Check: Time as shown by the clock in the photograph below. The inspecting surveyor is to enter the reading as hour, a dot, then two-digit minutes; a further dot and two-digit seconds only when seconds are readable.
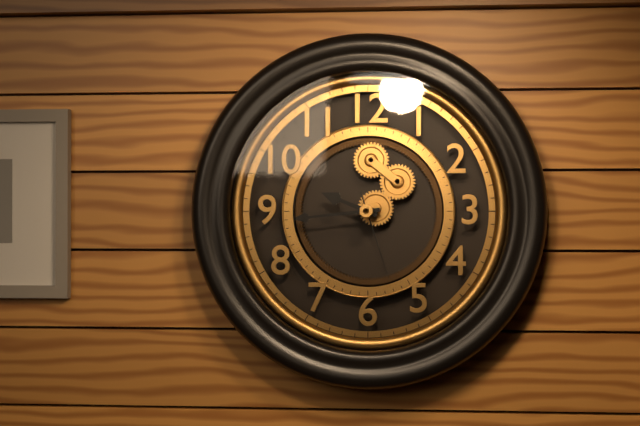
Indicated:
9.44.27
